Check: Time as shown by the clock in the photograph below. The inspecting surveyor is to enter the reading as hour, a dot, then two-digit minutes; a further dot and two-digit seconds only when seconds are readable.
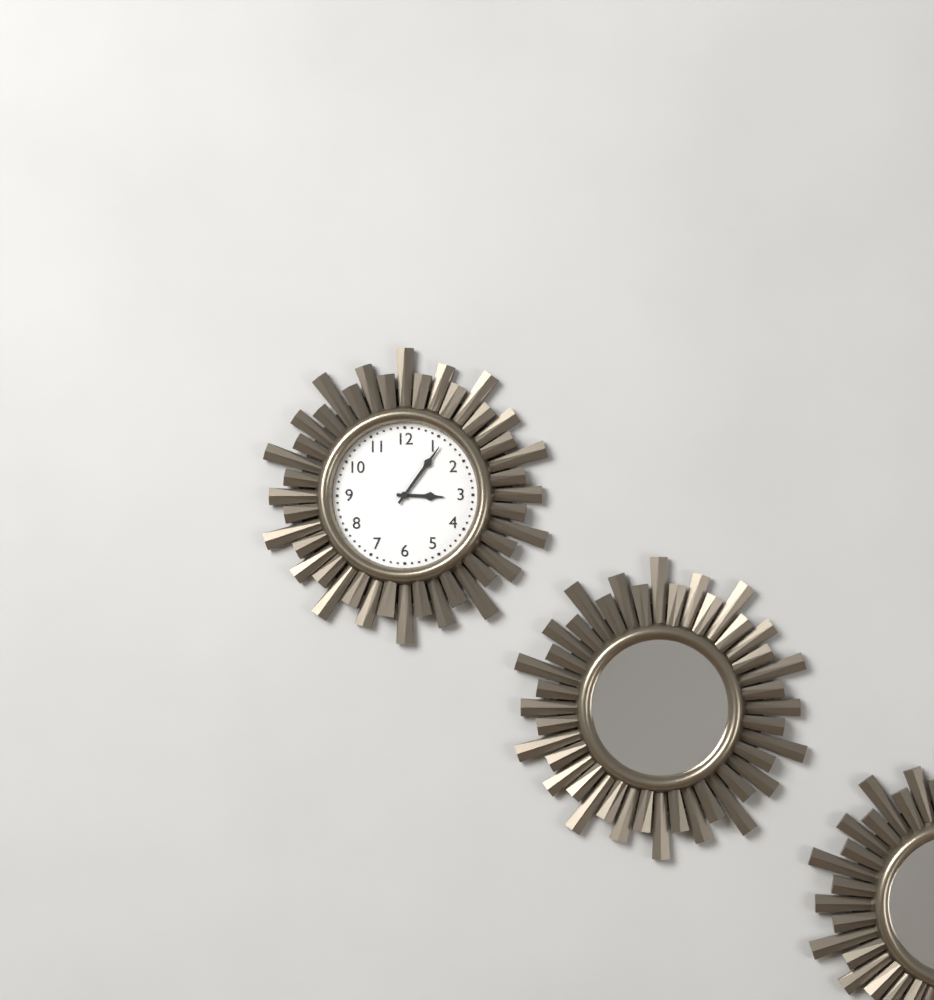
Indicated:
3.06
